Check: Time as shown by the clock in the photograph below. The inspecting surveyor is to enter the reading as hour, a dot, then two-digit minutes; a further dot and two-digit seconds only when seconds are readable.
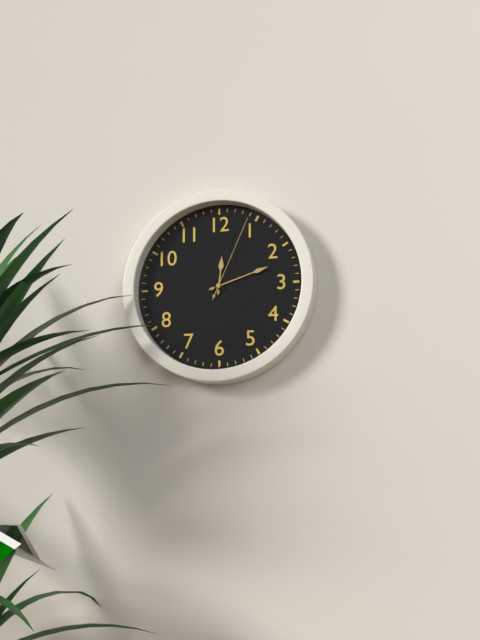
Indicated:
12.12.04
